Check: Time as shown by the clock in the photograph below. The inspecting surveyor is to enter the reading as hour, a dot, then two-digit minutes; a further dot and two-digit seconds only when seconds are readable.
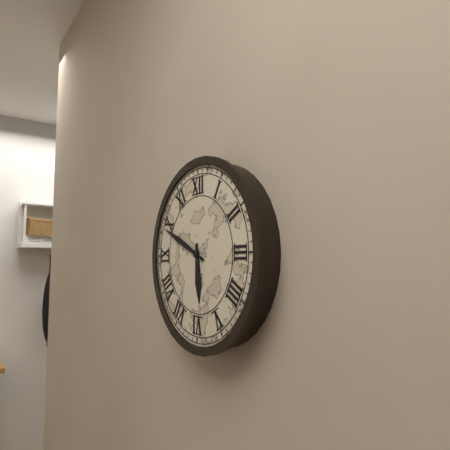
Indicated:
5.49
